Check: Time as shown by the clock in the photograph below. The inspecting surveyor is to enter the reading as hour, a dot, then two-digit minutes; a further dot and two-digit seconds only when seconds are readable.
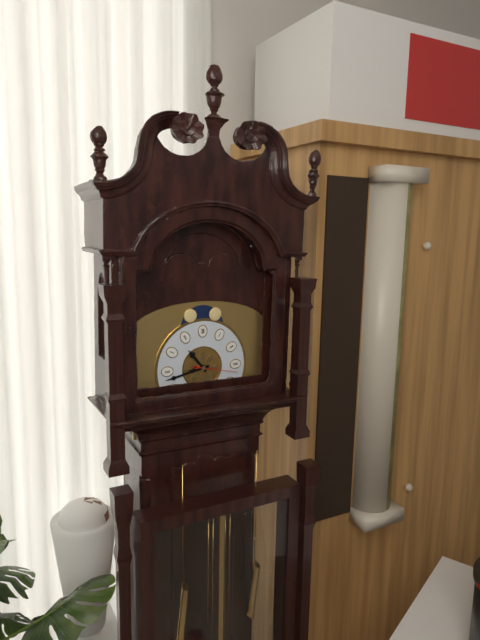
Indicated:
10.43
